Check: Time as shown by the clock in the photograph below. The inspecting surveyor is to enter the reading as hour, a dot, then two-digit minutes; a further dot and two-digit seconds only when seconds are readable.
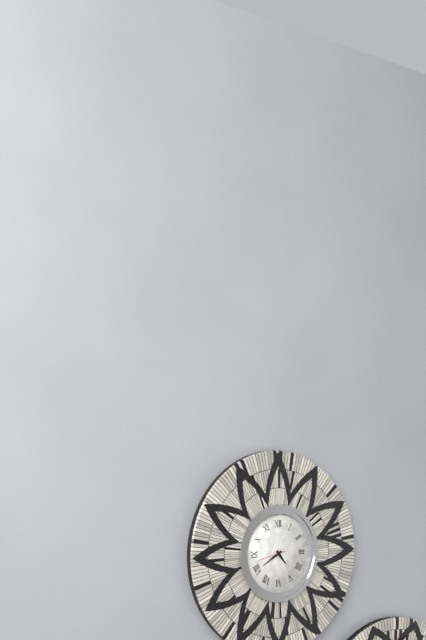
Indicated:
4.40
